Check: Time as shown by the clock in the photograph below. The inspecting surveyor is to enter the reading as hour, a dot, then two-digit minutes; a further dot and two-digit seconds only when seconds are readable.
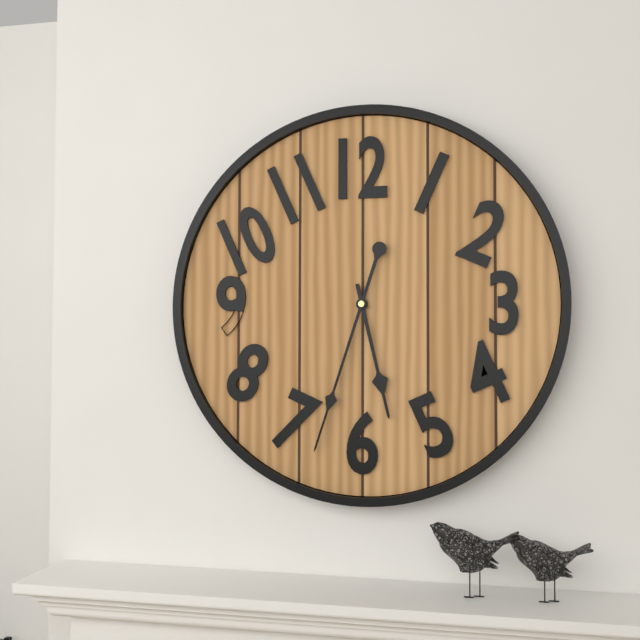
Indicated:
5.33
